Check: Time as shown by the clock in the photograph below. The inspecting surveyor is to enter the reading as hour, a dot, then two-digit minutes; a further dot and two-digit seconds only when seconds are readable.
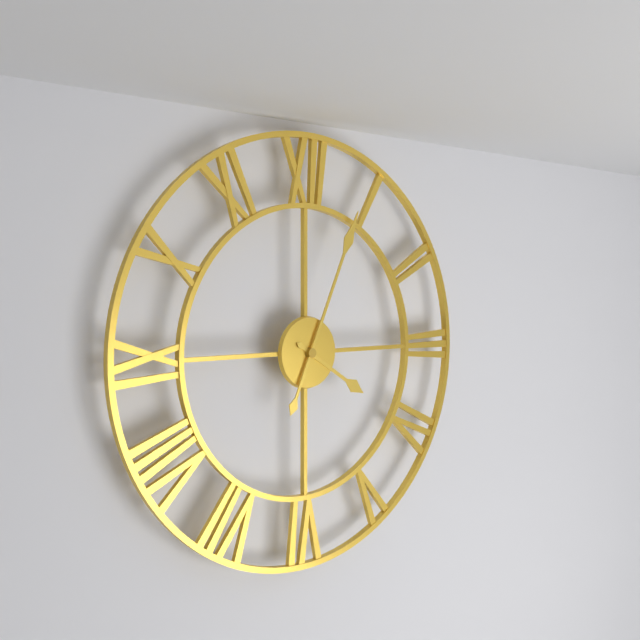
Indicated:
4.04
